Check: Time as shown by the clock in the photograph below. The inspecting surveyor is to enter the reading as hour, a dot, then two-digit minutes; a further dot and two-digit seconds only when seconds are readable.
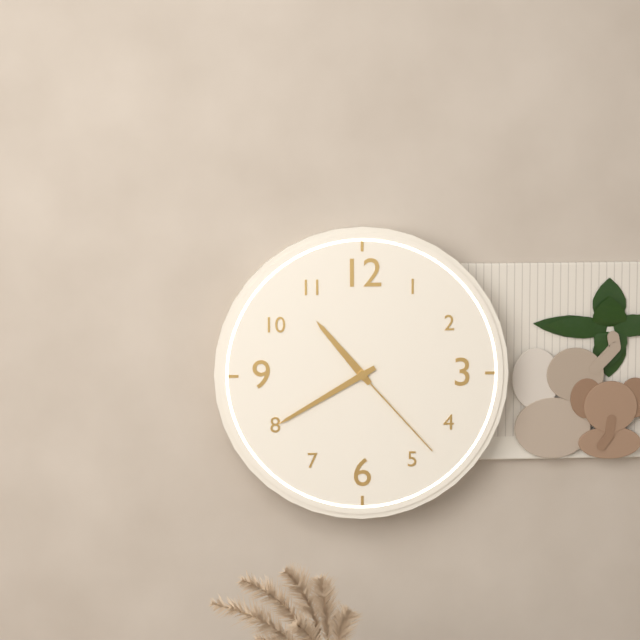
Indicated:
10.40.23
